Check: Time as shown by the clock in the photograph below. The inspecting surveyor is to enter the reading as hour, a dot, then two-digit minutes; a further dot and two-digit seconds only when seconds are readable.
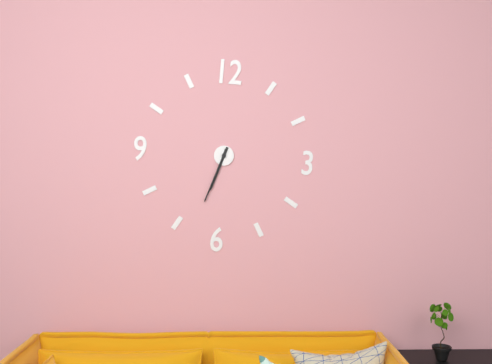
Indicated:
6.33
